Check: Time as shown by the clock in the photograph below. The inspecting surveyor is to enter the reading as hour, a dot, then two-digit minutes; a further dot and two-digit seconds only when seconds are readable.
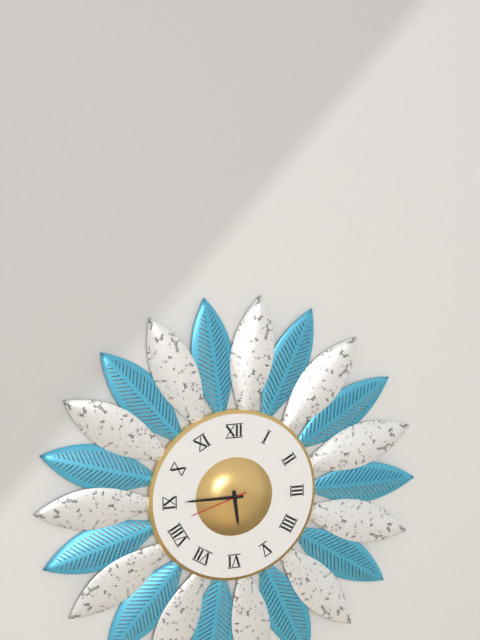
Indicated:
5.45.42
